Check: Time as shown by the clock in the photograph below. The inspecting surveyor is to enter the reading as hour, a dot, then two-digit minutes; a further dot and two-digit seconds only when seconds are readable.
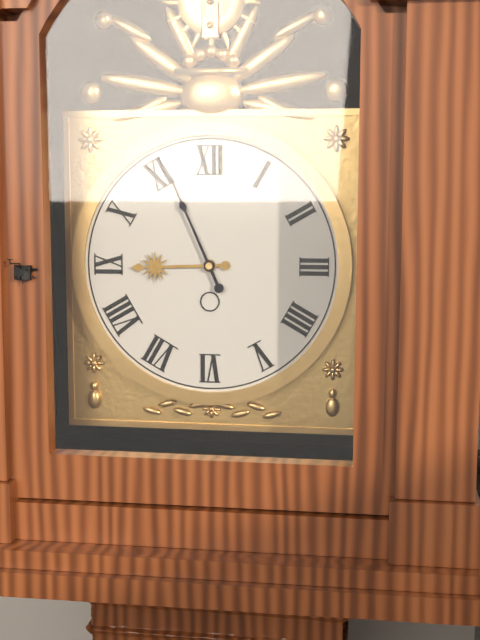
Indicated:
8.56
